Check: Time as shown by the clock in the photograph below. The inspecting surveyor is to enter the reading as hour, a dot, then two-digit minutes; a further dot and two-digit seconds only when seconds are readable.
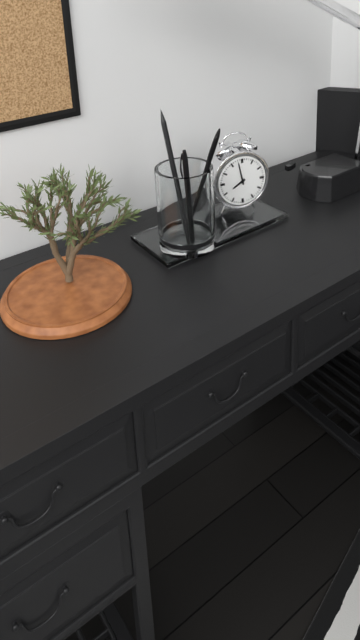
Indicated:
7.58
